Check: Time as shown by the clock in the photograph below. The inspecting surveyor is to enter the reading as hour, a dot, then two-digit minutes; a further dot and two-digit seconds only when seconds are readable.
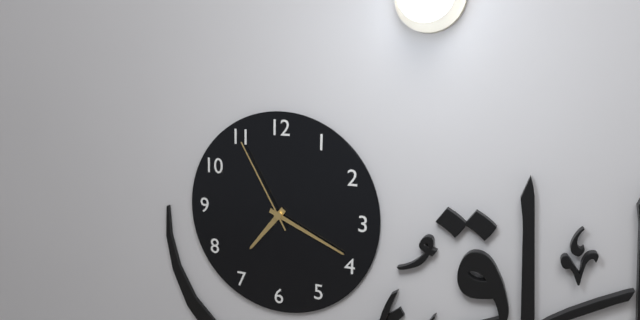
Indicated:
7.19.55
